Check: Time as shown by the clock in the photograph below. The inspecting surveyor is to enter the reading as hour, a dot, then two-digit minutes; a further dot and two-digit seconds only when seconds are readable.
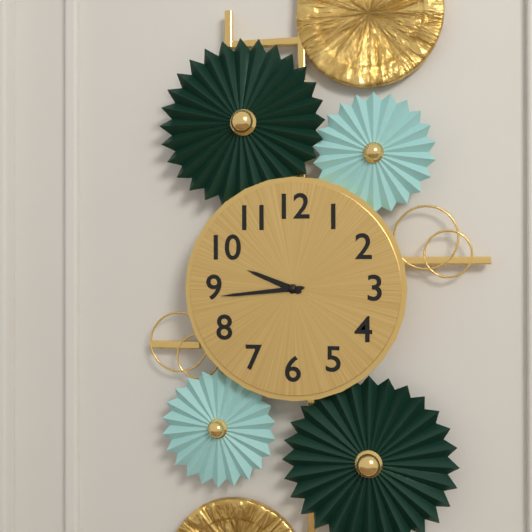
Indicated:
9.44
